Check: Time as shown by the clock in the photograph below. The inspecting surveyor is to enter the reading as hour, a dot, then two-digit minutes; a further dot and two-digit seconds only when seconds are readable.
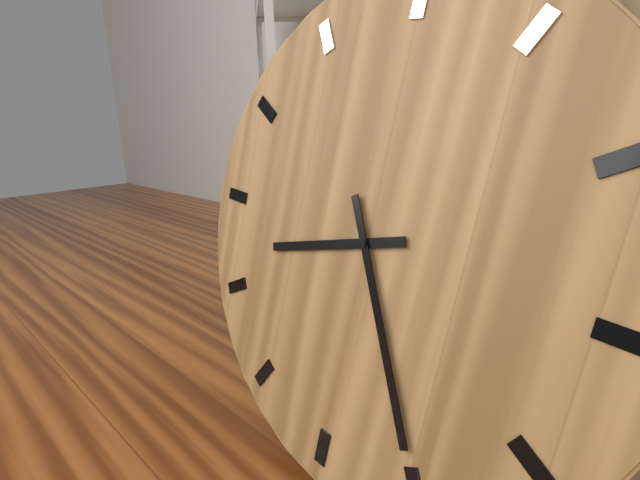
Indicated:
8.25
